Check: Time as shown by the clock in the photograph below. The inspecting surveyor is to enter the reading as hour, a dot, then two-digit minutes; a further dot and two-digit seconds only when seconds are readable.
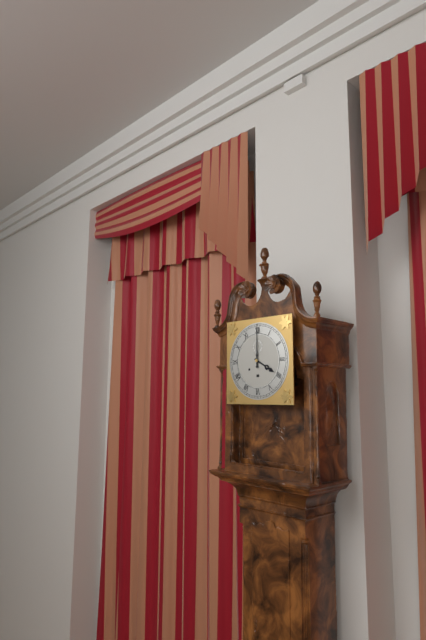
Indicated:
4.00
